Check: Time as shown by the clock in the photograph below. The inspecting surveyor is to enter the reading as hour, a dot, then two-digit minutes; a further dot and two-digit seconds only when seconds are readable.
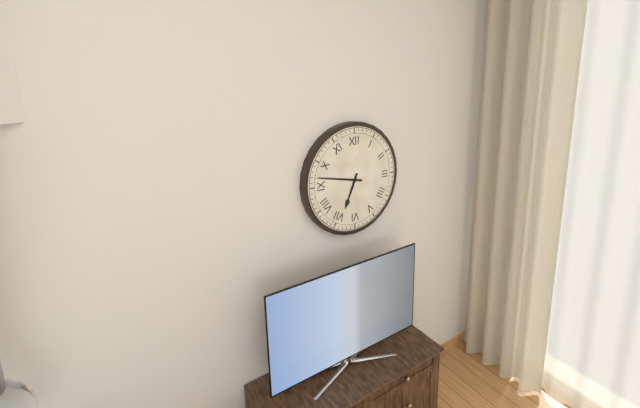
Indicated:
6.47
